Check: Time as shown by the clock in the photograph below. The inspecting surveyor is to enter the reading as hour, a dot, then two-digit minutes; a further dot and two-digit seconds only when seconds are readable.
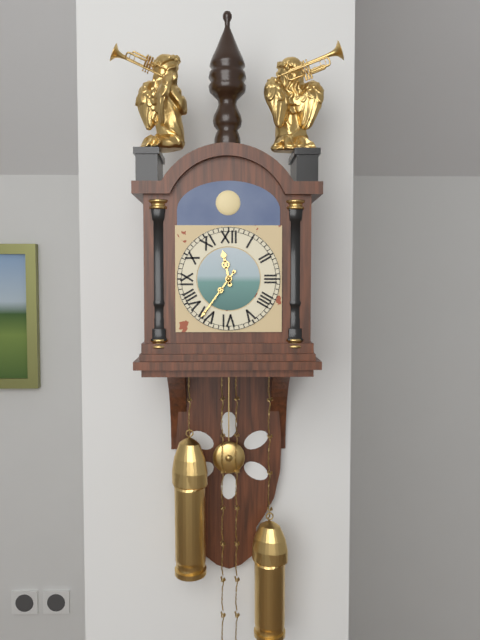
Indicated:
11.36
